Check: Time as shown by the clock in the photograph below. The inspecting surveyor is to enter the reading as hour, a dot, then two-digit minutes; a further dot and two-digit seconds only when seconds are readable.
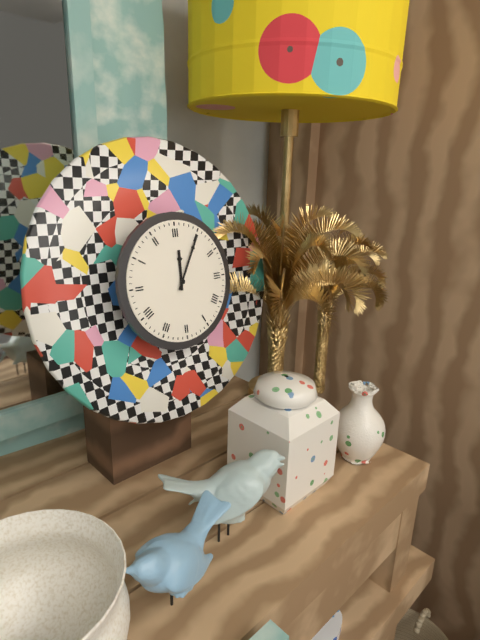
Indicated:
12.05
